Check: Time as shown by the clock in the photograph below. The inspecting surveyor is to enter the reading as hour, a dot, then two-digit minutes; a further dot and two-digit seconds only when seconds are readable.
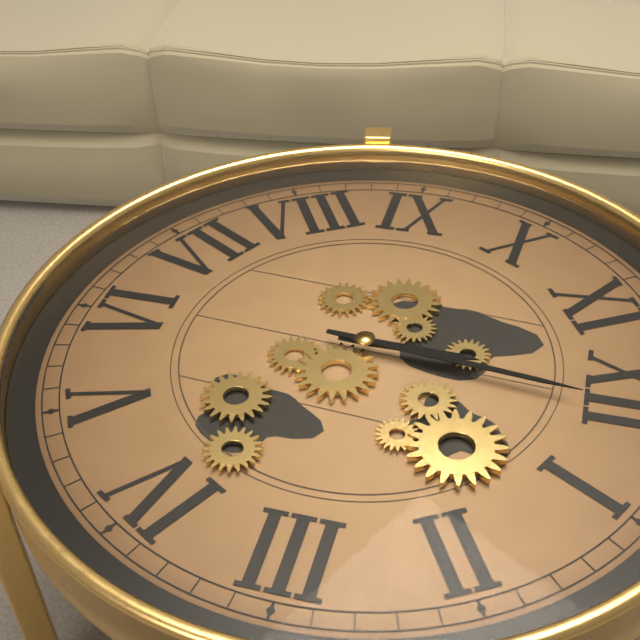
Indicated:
12.01
